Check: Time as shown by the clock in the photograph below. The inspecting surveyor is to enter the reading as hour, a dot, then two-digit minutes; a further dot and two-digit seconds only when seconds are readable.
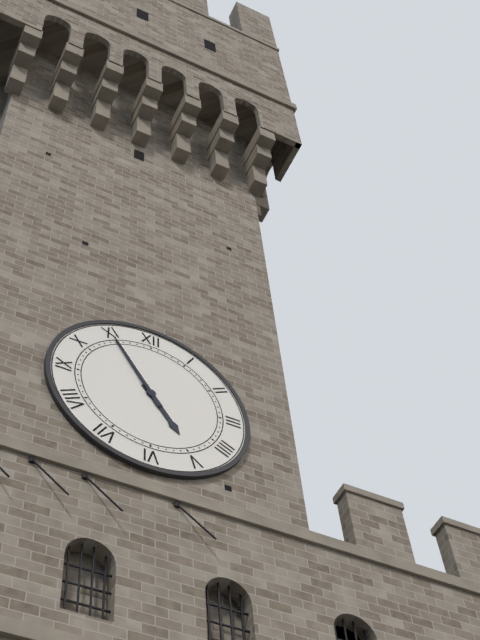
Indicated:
4.55
